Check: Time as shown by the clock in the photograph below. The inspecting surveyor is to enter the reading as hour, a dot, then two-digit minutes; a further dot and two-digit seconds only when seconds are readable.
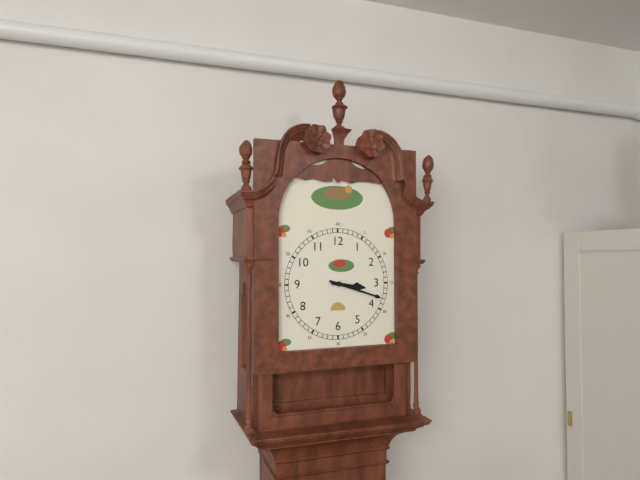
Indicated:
3.18
